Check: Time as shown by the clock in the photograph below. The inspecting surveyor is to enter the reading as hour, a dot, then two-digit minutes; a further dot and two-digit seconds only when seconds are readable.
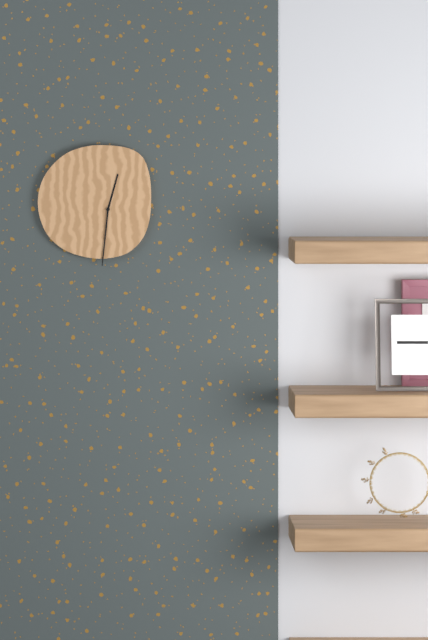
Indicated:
12.31
